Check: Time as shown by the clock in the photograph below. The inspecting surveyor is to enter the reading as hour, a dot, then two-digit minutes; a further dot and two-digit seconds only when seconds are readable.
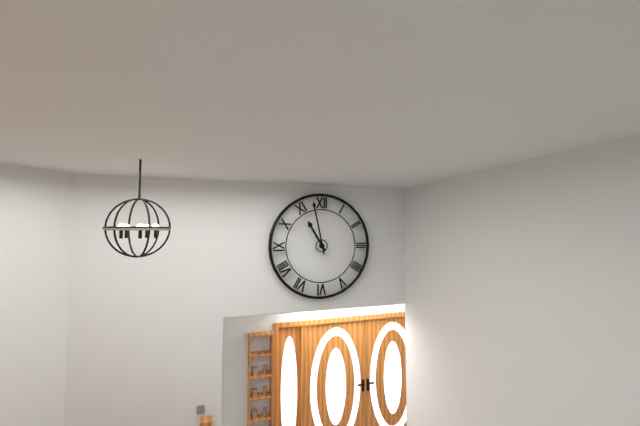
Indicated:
10.58
